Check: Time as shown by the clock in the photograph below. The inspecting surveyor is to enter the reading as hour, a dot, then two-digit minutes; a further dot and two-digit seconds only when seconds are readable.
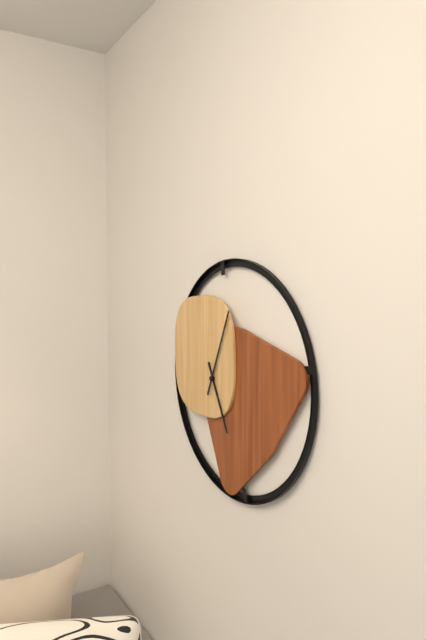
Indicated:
5.04
